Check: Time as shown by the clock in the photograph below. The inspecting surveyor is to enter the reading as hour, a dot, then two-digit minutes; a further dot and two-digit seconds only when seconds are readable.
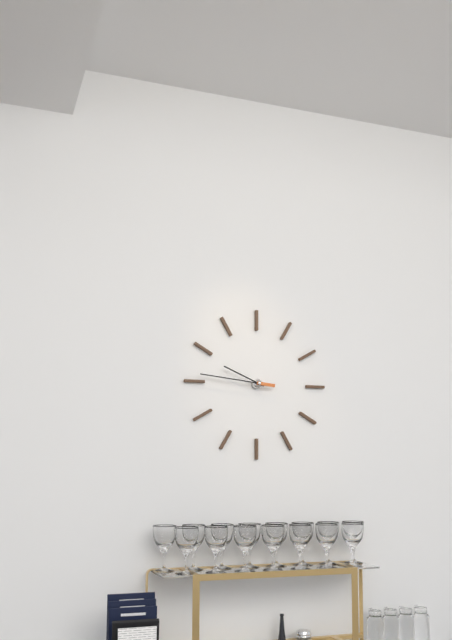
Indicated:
9.46
